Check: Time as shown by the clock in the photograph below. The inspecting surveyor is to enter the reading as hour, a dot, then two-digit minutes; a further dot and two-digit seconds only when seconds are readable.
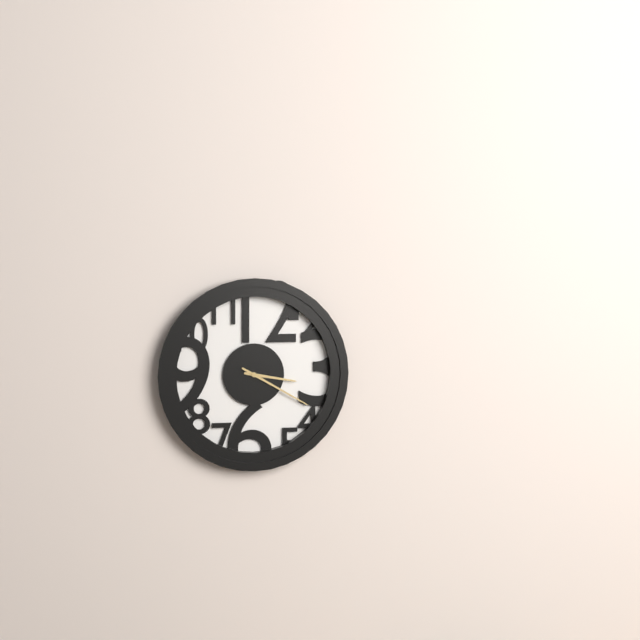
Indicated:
3.20
